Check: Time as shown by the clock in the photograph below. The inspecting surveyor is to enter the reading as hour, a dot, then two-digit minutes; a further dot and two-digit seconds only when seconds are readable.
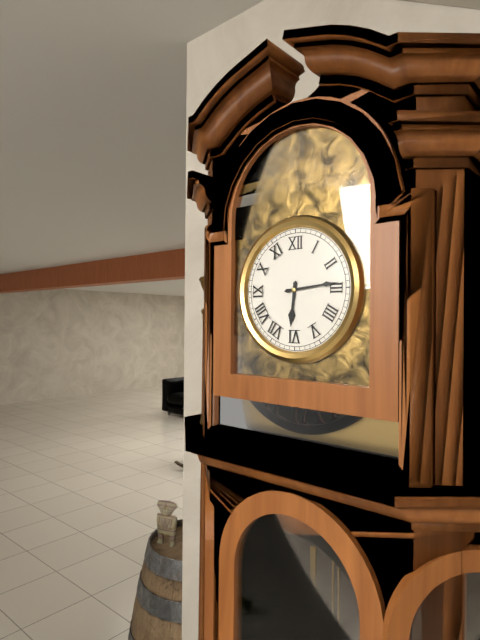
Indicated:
6.14
